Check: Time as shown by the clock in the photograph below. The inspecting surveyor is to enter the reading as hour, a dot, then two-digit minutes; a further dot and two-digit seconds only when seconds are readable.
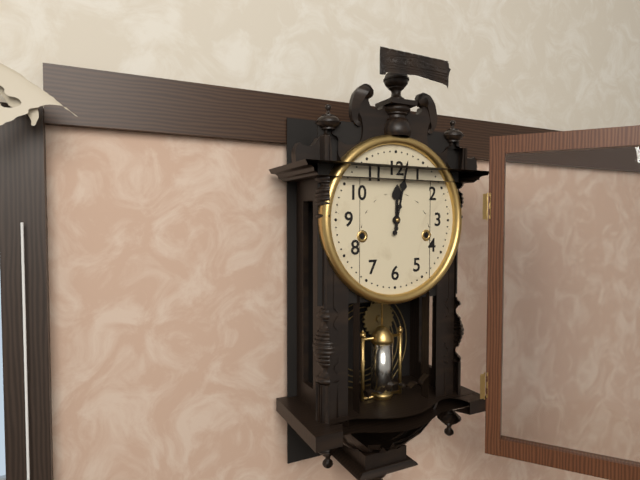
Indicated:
12.02
